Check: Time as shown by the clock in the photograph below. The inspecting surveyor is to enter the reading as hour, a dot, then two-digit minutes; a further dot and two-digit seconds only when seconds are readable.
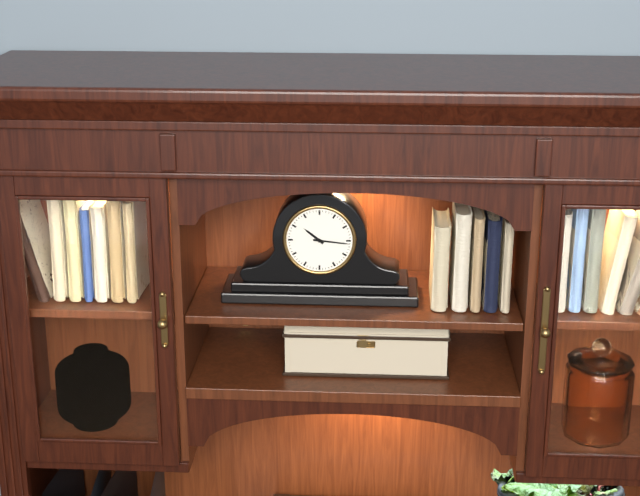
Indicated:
10.16
